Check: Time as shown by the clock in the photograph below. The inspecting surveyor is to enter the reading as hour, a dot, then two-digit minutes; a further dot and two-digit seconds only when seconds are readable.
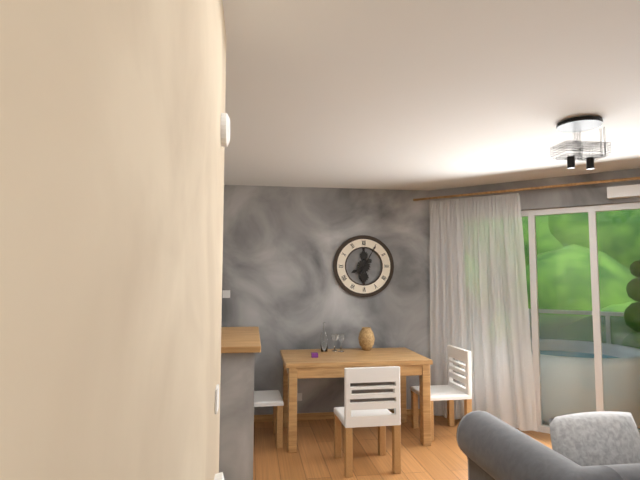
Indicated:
8.05
